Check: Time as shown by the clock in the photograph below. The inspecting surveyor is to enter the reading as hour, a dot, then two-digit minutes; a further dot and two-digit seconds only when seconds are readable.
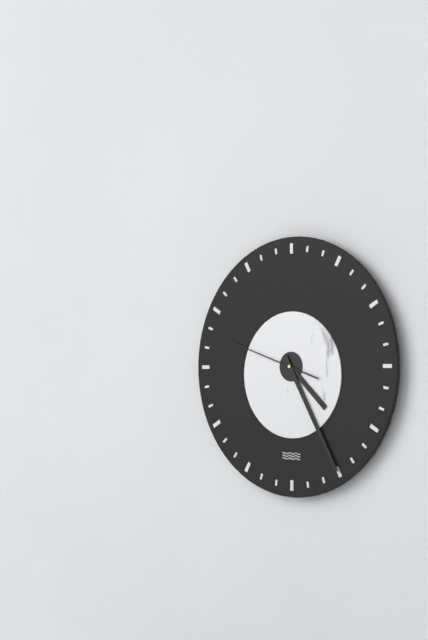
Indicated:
4.25.48
